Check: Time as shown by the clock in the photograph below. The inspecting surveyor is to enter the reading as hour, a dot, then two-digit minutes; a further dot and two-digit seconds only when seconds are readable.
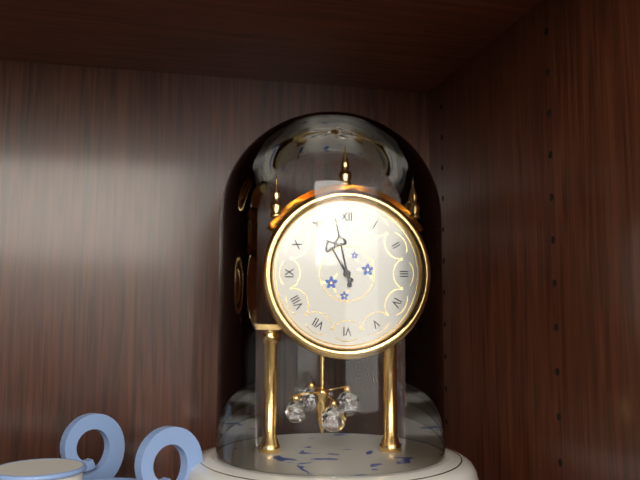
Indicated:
10.58
